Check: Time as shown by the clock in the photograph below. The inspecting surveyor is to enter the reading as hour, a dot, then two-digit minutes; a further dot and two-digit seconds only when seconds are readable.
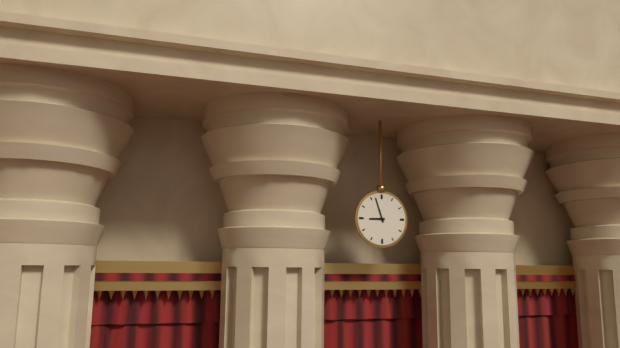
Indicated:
8.57
